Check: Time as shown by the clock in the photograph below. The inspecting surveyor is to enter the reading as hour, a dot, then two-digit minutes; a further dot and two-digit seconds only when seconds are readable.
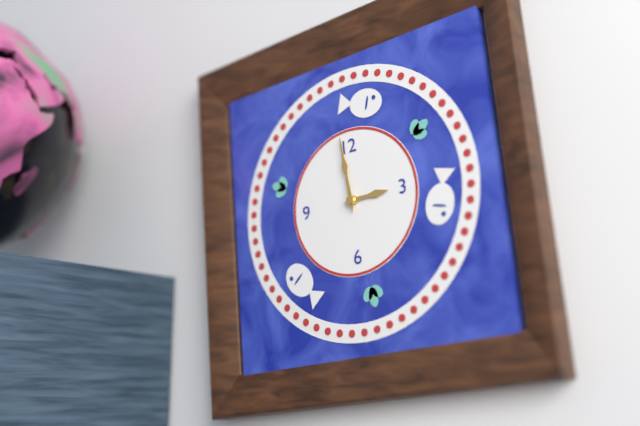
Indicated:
2.59
